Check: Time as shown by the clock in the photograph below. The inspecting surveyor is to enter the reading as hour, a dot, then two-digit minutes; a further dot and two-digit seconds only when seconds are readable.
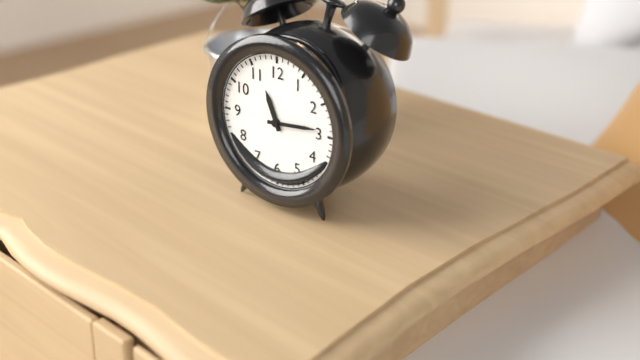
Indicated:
11.14
